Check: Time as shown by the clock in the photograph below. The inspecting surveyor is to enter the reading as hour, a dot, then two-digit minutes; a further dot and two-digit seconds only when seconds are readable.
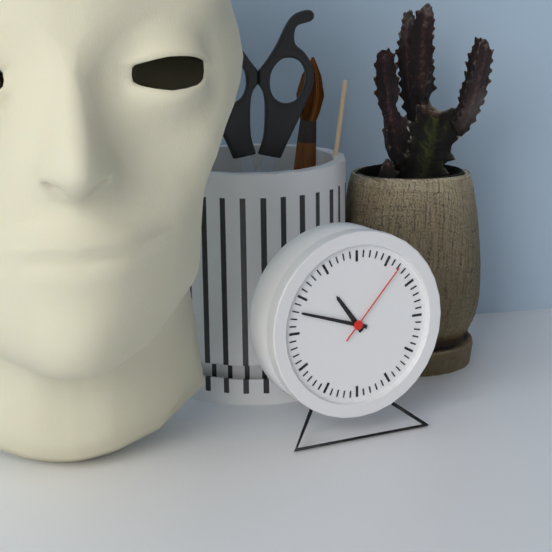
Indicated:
10.48.07
